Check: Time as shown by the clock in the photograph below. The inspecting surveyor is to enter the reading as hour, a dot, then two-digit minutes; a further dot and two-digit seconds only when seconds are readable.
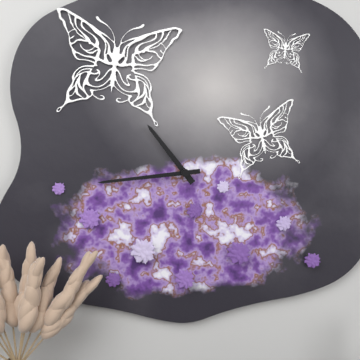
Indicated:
10.44
